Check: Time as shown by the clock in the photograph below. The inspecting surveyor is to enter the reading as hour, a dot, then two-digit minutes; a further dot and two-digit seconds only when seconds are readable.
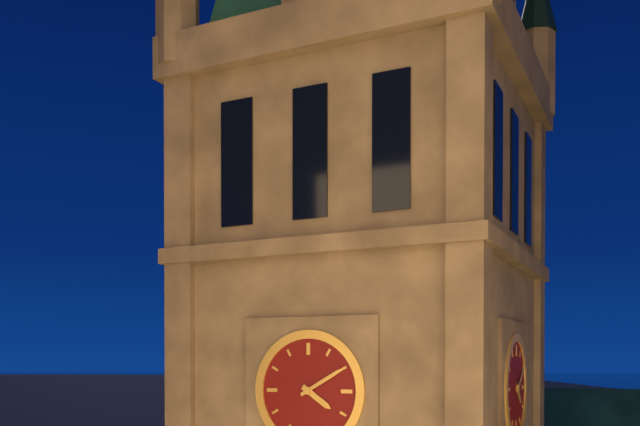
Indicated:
4.10
